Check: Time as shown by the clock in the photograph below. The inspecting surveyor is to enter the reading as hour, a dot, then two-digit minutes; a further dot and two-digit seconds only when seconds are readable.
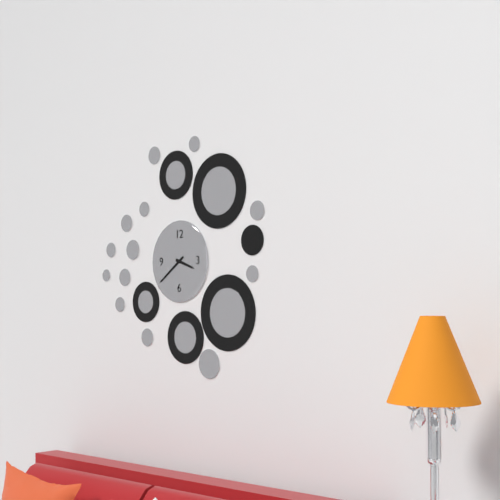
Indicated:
3.39
